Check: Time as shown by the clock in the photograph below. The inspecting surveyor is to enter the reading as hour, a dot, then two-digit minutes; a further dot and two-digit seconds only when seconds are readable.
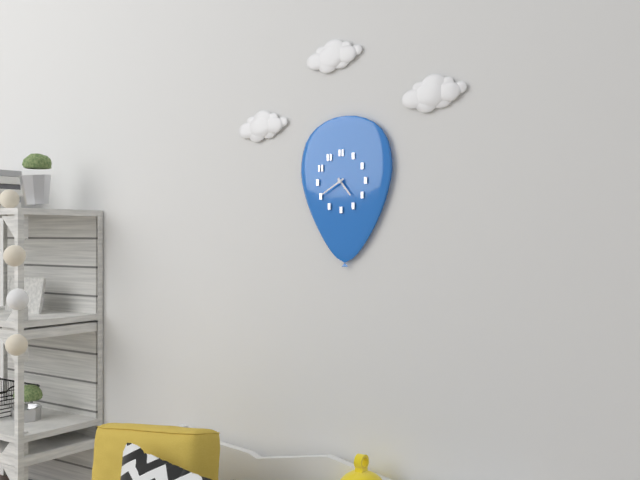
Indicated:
4.40
